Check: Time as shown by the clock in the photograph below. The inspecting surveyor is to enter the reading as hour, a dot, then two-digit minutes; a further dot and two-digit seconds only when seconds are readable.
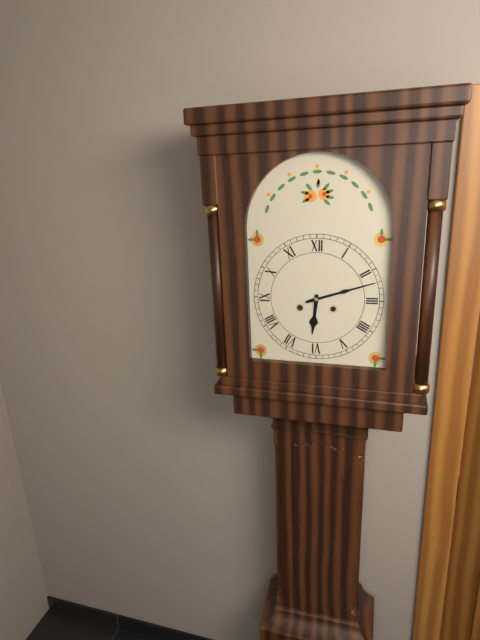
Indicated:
6.12
